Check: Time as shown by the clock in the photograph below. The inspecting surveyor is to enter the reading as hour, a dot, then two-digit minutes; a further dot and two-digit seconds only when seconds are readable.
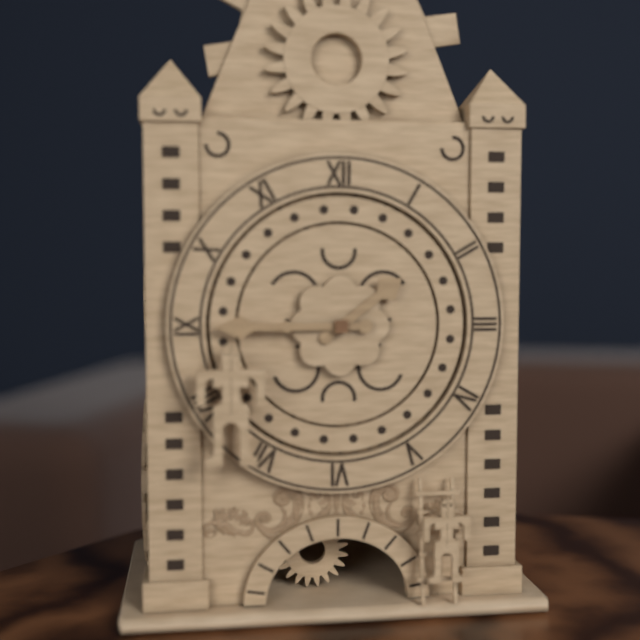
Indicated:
1.45
